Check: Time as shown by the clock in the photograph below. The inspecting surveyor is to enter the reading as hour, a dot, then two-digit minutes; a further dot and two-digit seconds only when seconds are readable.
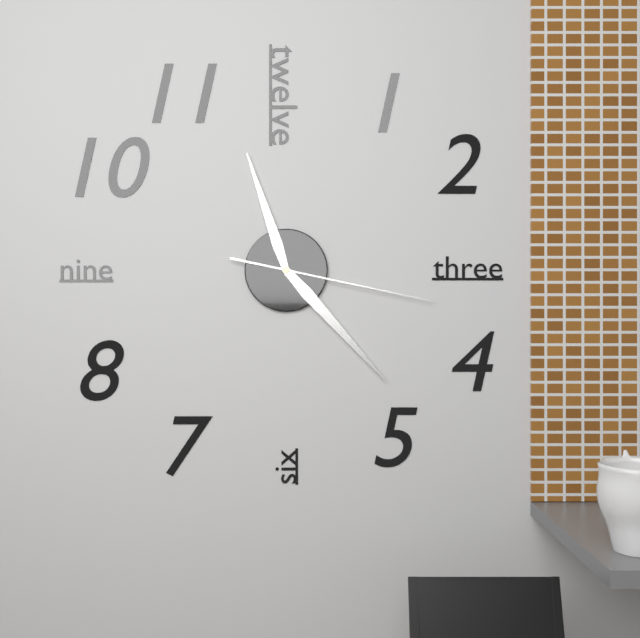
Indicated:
11.23.17
